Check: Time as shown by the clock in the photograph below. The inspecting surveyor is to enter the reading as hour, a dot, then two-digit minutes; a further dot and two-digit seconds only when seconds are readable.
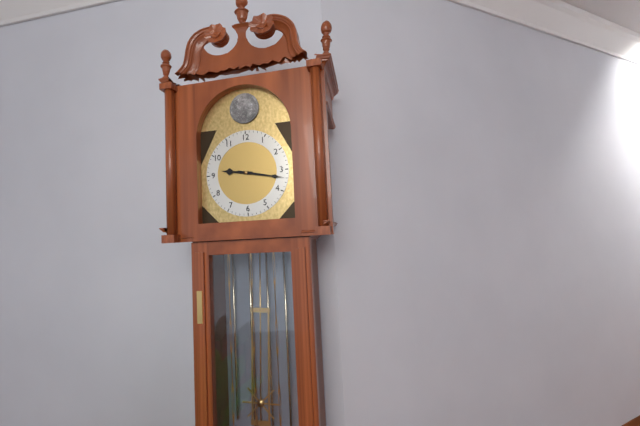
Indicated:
9.17
